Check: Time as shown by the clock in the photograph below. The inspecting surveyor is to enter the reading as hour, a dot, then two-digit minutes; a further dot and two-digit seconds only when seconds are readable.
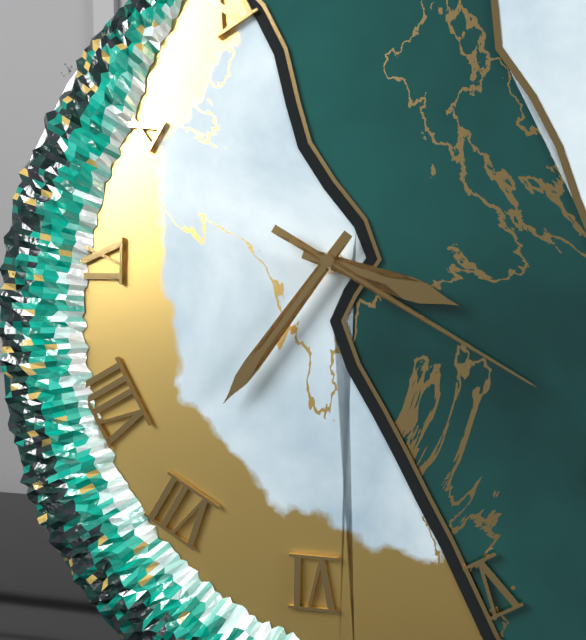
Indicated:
3.36.20
